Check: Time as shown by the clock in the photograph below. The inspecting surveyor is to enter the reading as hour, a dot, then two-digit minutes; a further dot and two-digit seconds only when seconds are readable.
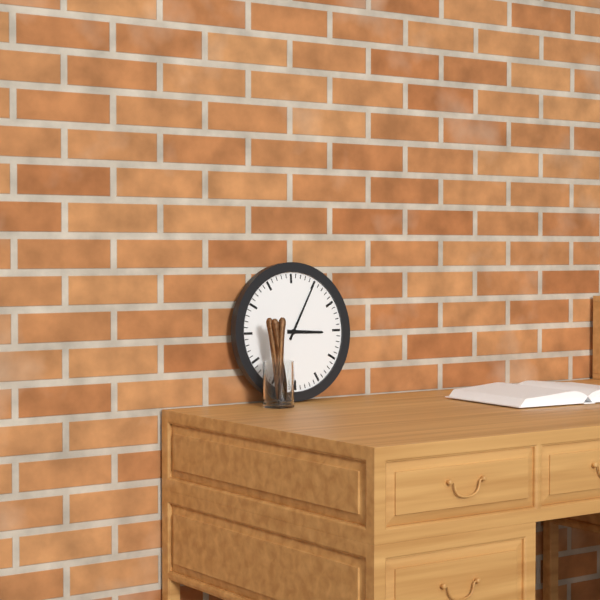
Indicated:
3.05
